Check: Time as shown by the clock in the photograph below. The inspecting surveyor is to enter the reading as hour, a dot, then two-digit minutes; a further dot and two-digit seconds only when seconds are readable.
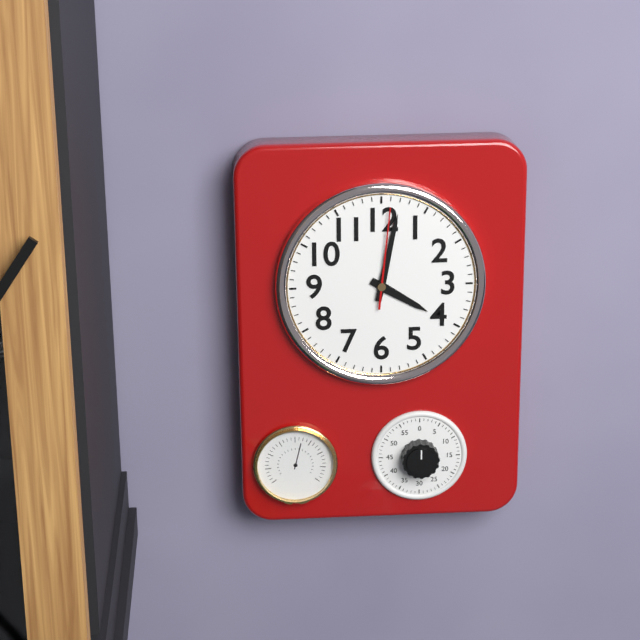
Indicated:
4.02.01
